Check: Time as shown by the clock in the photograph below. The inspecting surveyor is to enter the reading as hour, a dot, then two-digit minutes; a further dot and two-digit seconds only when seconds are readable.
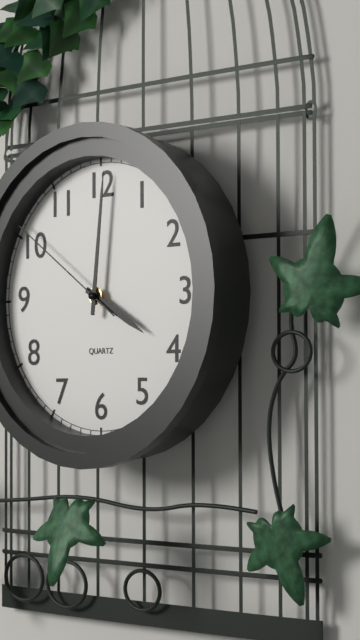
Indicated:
4.01.51
